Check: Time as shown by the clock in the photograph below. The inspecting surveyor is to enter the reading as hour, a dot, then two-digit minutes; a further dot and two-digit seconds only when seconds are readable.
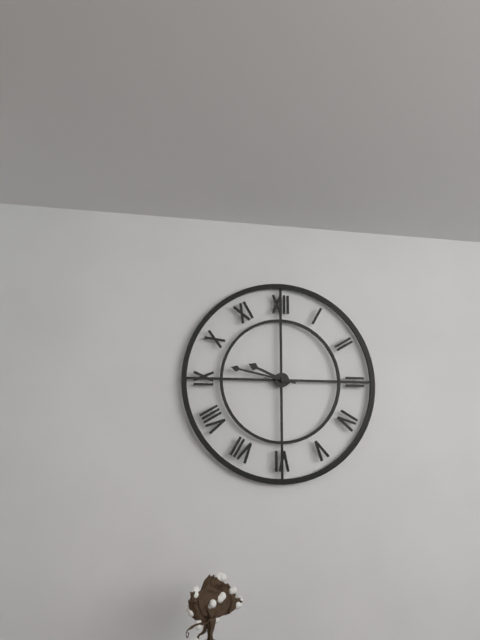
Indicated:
9.47
